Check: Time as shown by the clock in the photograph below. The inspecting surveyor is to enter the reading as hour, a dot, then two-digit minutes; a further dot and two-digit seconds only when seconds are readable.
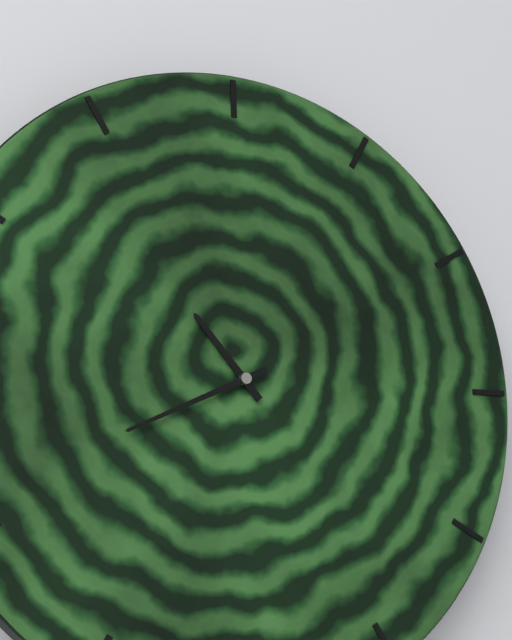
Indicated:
10.41
